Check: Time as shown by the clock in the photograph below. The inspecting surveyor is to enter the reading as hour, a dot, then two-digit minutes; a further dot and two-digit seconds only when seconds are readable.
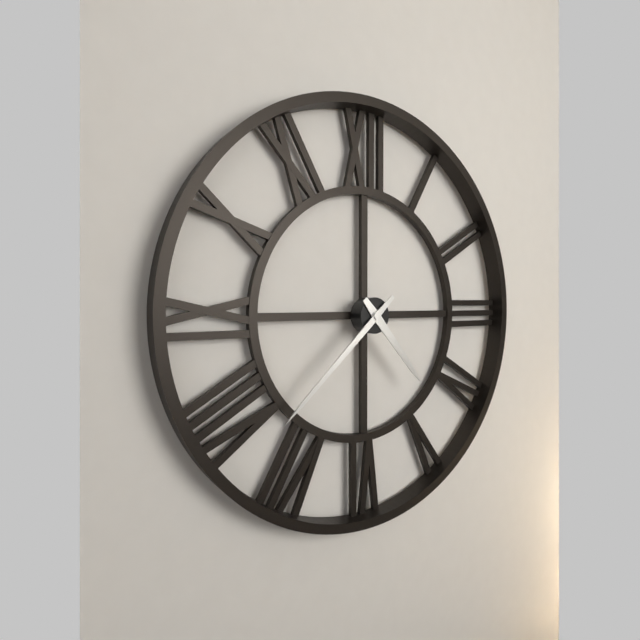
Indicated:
4.38
